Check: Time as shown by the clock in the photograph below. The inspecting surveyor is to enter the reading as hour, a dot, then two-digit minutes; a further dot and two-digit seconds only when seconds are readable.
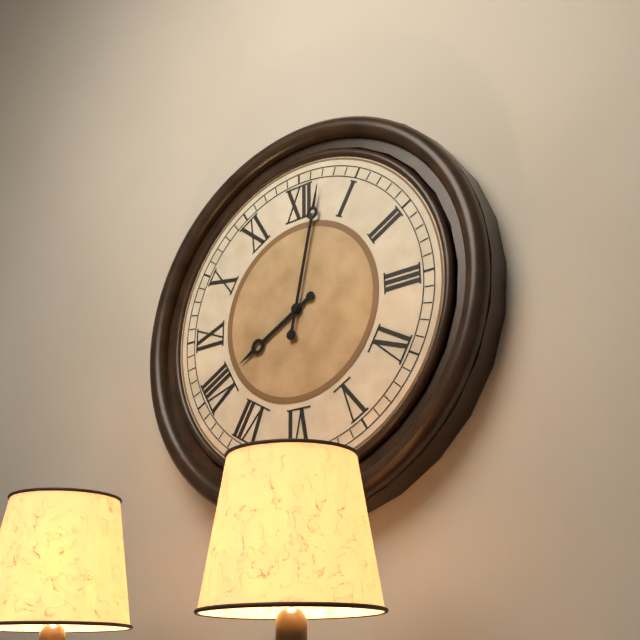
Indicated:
8.02
